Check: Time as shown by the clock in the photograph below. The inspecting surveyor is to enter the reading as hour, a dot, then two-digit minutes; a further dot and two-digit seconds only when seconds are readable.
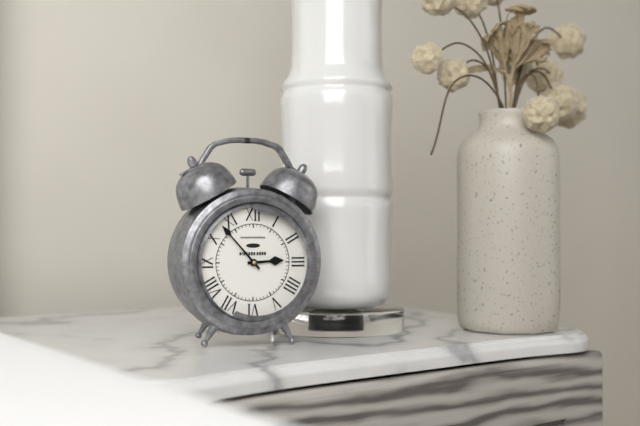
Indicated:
2.53
